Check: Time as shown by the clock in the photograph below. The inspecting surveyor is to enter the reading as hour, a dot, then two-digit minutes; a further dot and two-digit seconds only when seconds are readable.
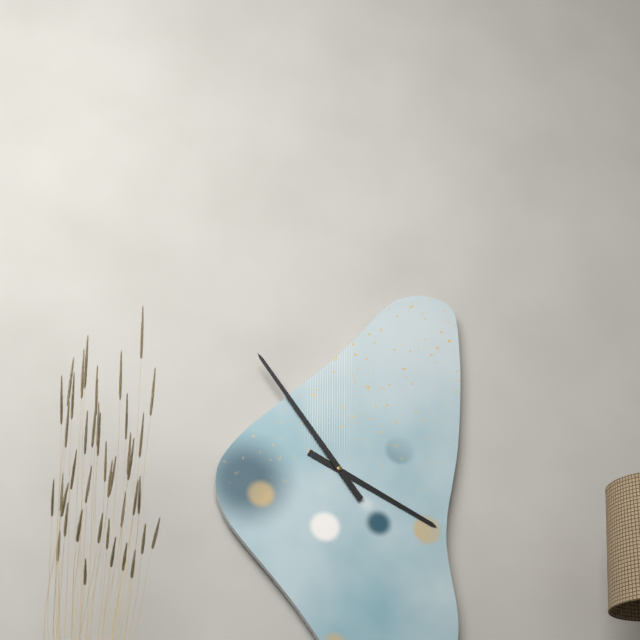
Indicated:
3.54
